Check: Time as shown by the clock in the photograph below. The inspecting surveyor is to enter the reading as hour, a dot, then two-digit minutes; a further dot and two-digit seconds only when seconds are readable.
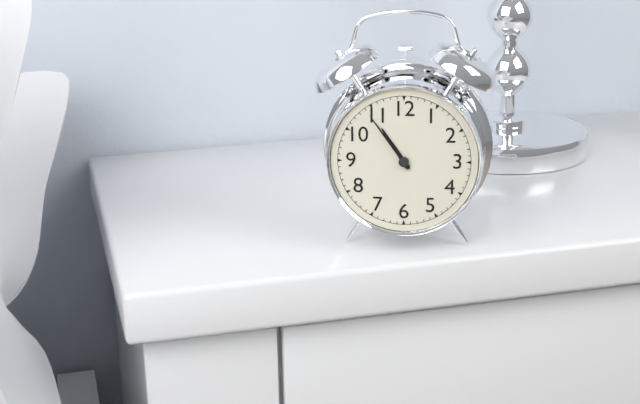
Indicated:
10.54
